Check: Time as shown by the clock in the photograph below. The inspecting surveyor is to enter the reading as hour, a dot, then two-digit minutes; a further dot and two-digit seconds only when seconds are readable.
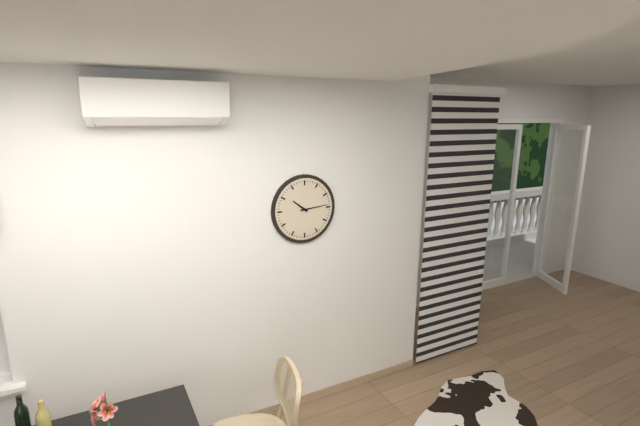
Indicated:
10.14
